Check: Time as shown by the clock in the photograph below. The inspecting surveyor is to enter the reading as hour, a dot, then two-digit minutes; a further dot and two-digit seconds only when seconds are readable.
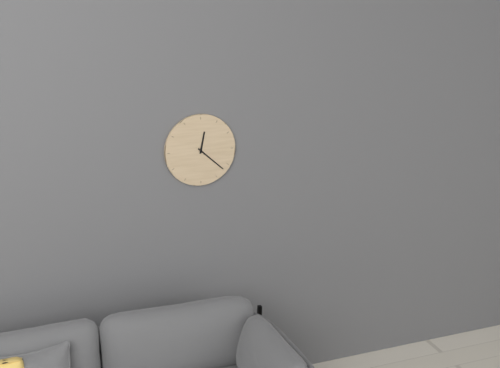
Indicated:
12.22
